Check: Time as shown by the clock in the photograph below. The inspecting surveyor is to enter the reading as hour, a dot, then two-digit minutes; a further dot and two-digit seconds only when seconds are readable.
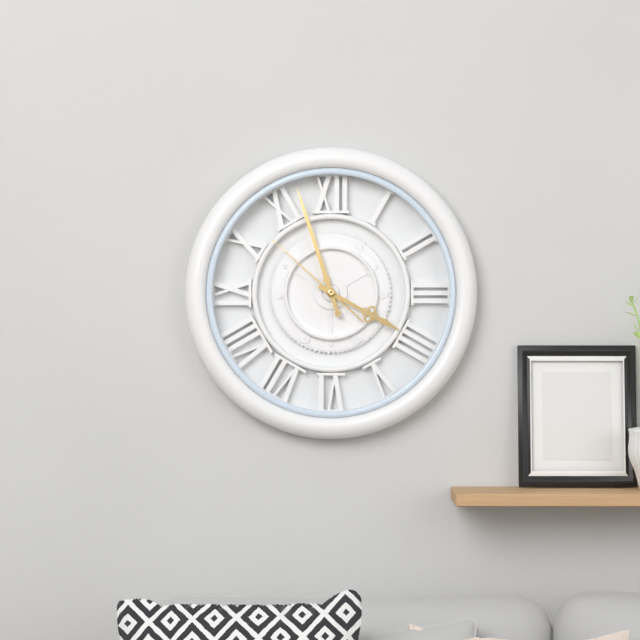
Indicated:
3.57.52
